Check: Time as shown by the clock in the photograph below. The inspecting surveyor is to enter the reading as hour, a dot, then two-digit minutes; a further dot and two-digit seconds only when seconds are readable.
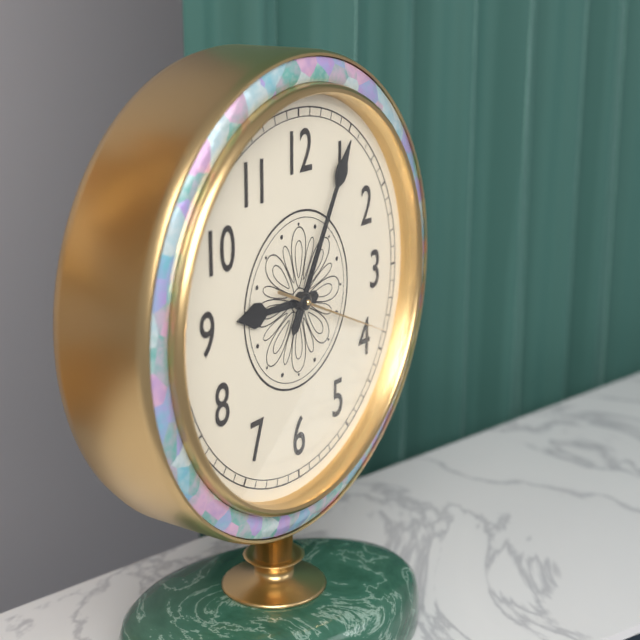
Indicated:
9.05.19
